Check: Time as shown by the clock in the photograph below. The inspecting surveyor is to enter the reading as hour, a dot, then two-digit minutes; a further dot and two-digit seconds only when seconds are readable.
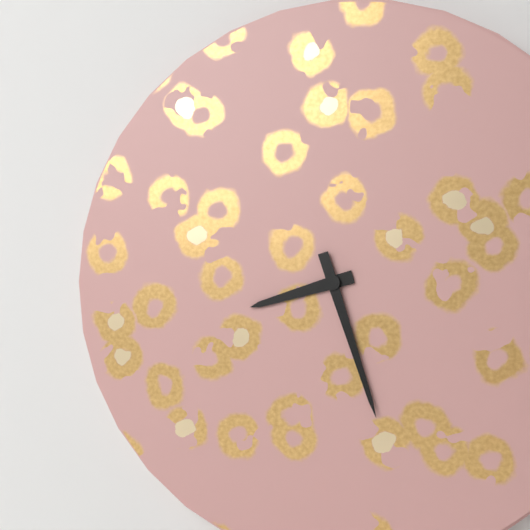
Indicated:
8.27
